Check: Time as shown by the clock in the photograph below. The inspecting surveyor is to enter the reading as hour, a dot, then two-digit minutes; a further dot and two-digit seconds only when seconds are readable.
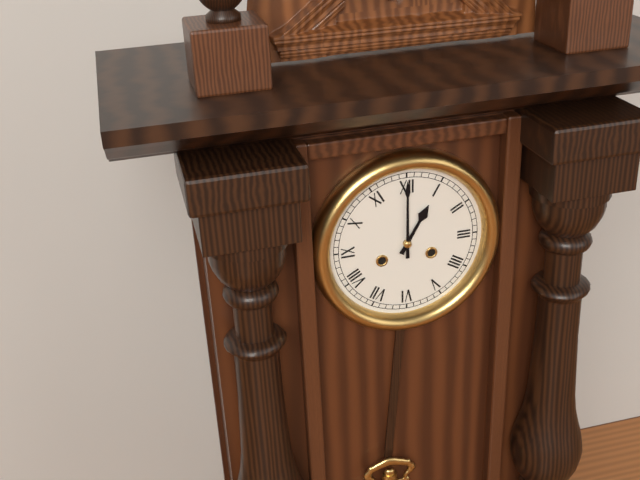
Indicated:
1.00
